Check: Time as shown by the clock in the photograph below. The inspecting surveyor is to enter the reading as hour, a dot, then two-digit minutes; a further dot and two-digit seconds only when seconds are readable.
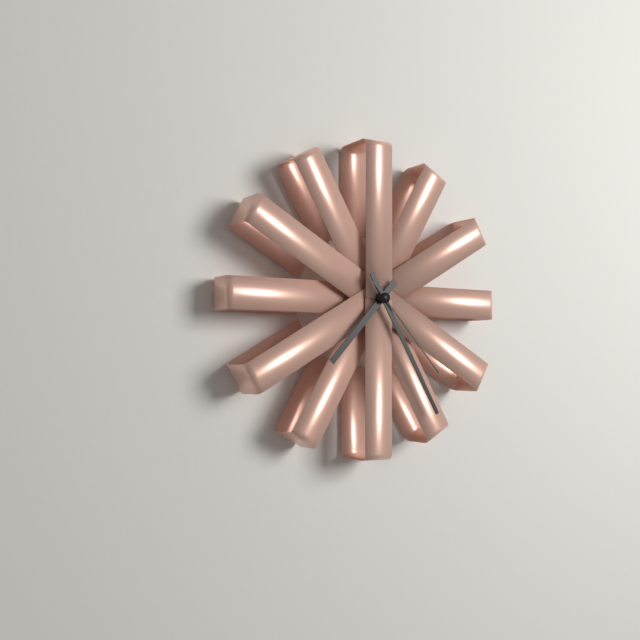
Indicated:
7.25.23
